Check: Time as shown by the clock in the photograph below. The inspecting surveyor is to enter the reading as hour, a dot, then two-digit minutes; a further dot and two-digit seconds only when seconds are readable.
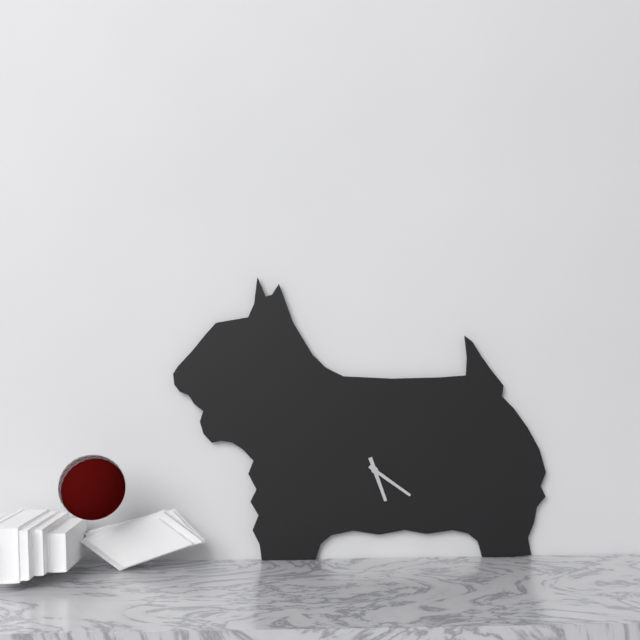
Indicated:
5.21
